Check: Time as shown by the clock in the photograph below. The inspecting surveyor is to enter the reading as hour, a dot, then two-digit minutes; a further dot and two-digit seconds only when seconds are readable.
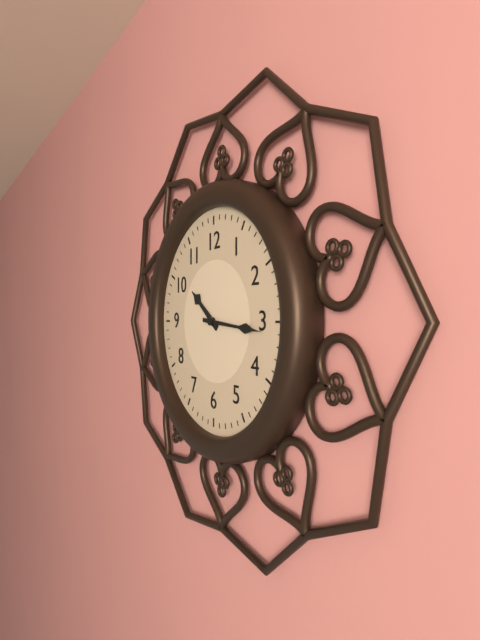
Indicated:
10.16
